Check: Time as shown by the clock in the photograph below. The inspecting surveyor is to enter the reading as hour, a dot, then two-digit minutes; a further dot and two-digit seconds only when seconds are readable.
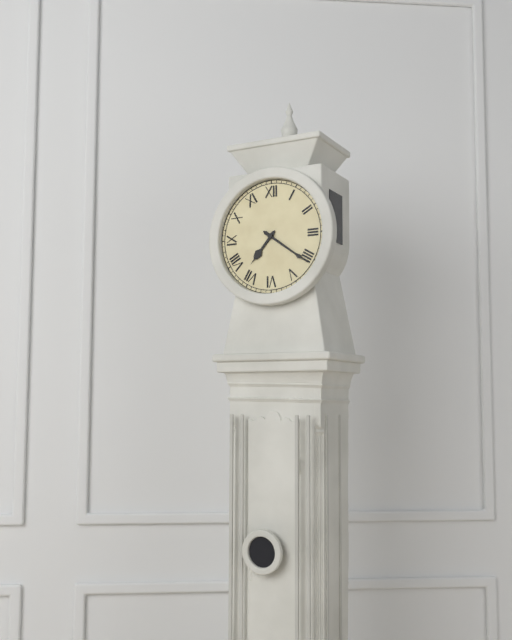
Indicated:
7.21
